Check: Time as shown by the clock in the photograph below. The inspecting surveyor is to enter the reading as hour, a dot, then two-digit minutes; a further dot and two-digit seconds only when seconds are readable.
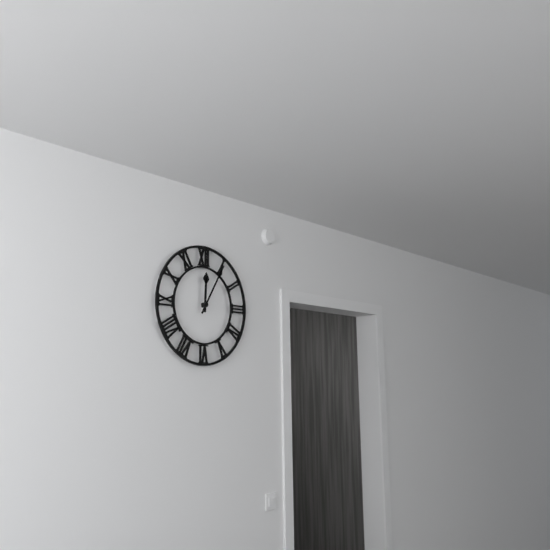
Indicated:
12.05
